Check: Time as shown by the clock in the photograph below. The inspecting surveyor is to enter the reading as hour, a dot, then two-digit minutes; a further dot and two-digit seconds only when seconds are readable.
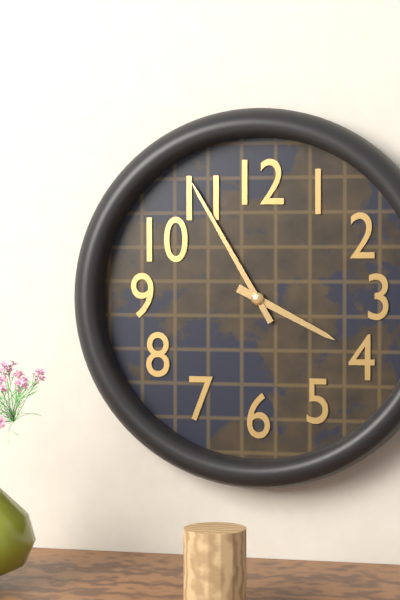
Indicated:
3.55
